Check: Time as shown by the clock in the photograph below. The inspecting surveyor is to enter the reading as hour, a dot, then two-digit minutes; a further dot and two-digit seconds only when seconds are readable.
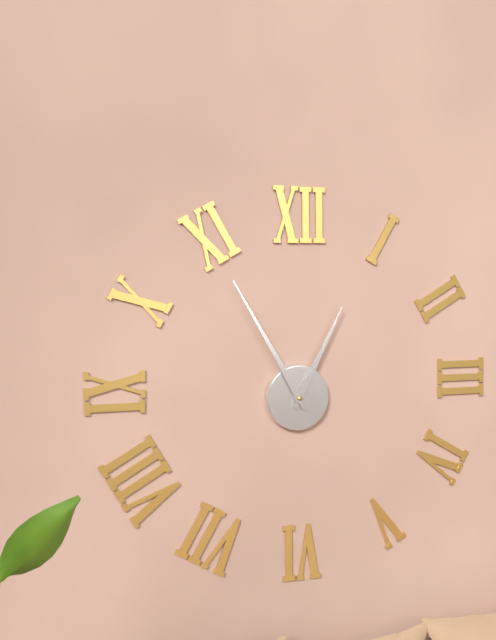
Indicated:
12.55
